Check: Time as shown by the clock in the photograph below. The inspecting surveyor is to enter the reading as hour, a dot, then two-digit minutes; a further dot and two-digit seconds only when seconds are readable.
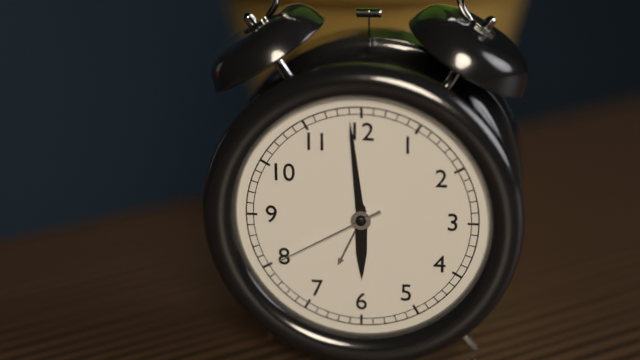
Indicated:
5.59.40
